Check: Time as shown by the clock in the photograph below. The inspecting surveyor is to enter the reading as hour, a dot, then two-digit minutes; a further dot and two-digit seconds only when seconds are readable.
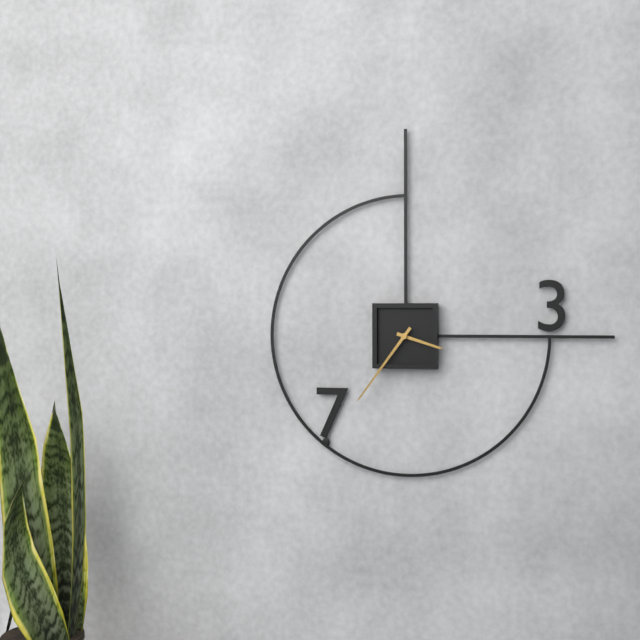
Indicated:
3.36
